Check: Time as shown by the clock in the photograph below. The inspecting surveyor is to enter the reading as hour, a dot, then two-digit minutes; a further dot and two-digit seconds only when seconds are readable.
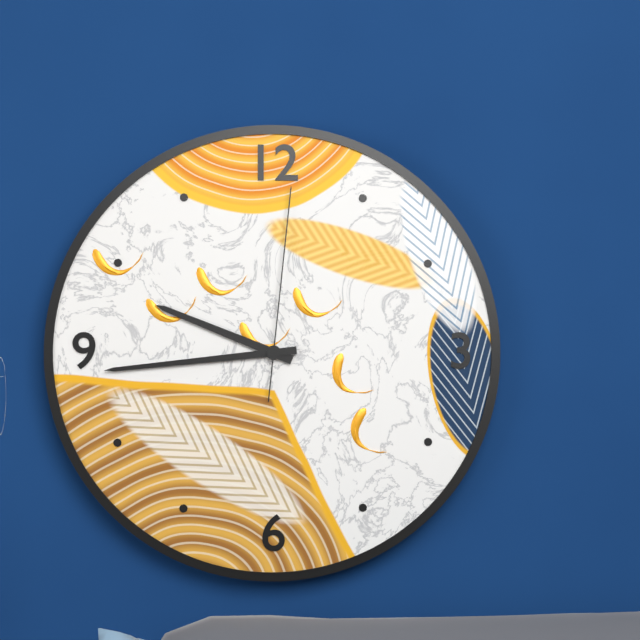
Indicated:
9.44.01
